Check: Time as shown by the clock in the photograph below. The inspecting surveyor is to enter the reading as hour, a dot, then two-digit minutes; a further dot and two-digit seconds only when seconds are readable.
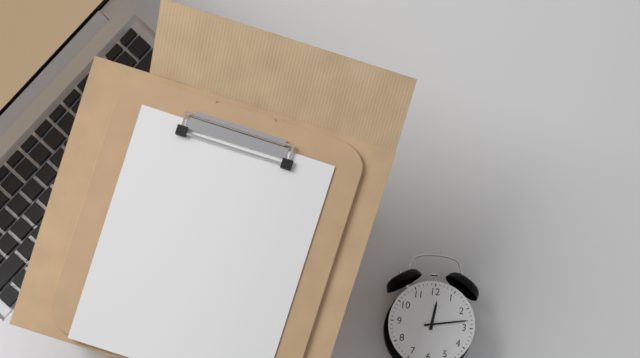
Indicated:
12.13
